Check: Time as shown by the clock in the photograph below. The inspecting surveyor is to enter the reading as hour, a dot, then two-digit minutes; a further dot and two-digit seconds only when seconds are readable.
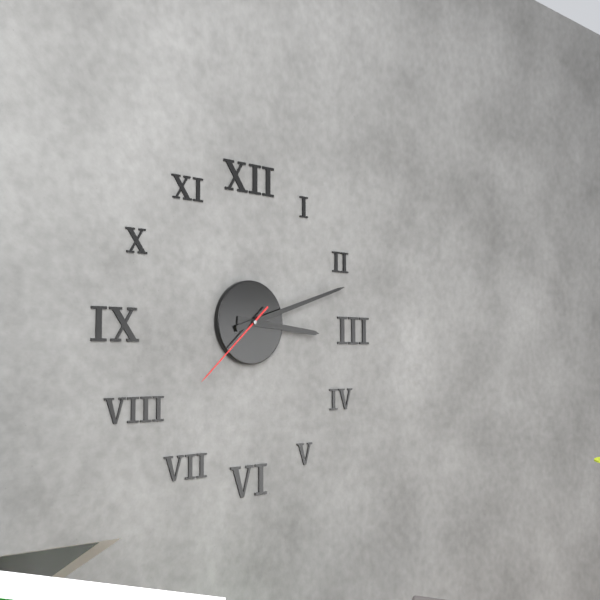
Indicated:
3.12.38
